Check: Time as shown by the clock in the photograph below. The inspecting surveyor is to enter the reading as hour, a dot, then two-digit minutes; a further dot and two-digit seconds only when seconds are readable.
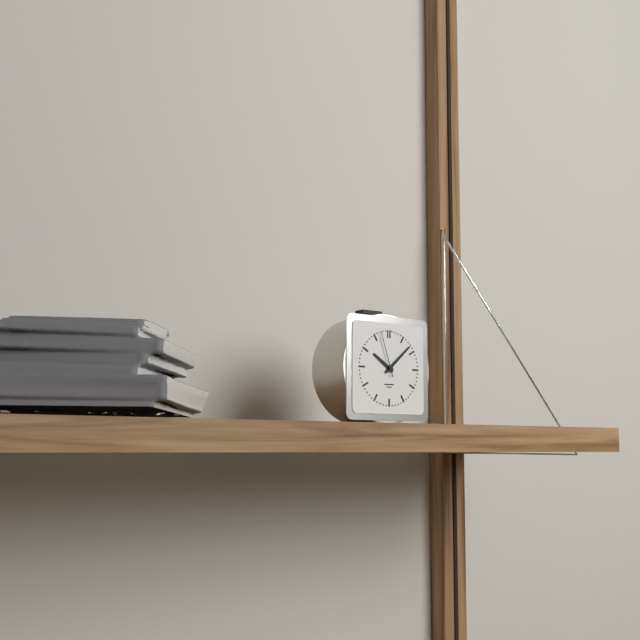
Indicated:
10.08
